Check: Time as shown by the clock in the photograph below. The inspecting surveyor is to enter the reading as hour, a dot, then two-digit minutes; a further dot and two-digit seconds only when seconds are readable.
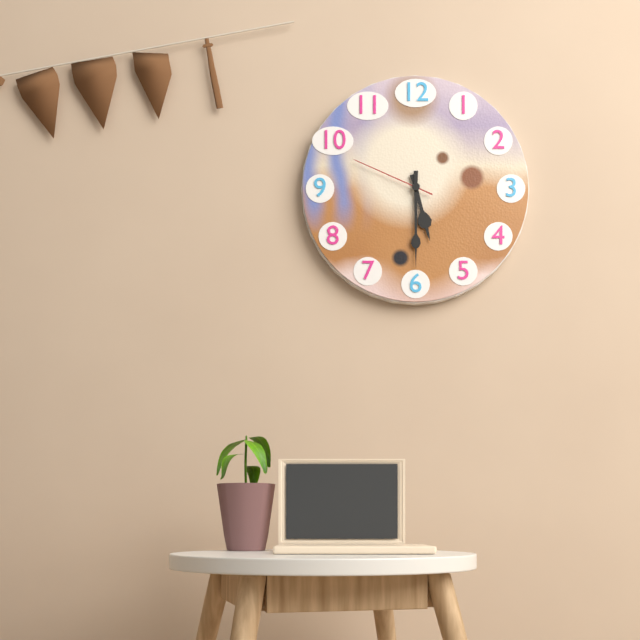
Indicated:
5.30.49
